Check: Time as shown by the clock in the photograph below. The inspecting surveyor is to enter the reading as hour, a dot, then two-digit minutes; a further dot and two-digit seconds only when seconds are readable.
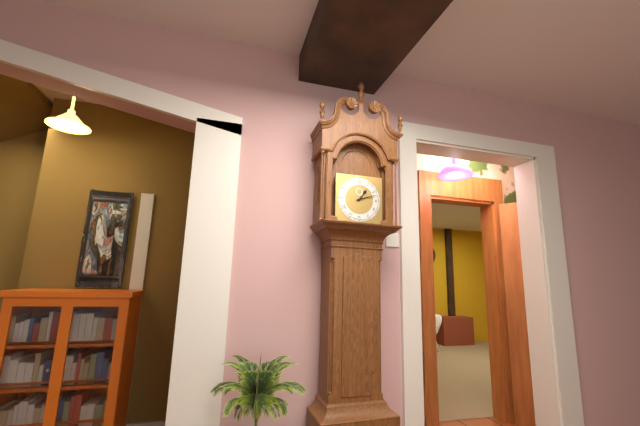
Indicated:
1.12
